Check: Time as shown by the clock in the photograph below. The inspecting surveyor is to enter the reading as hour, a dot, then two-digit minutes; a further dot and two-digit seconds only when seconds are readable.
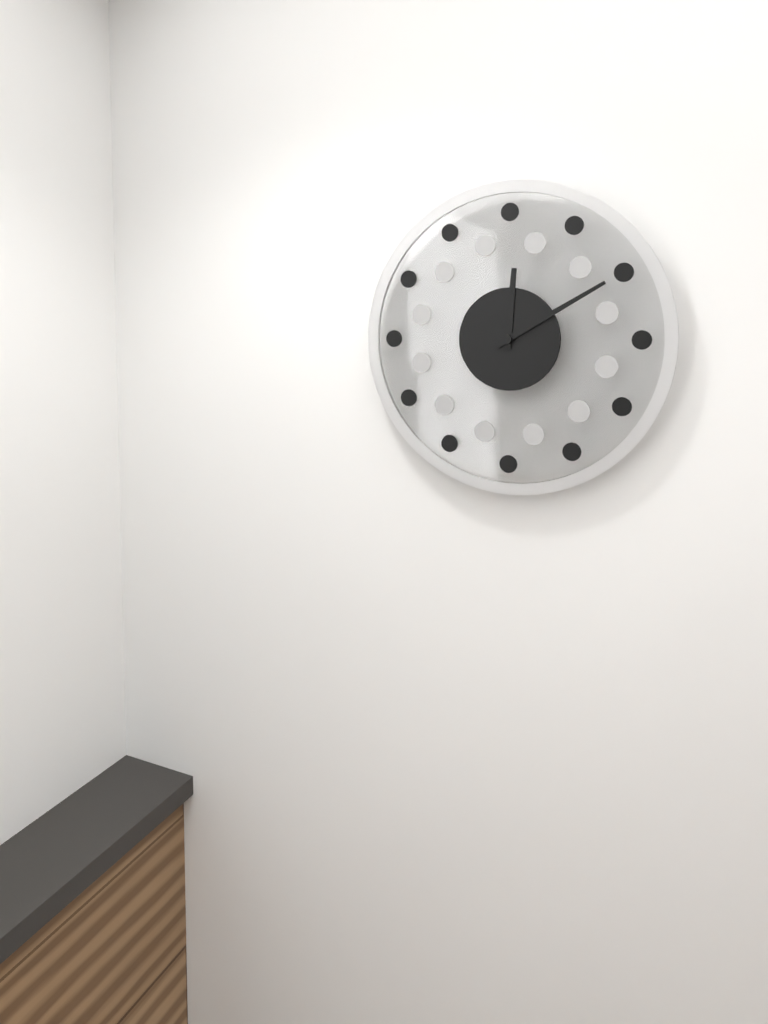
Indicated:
12.10
